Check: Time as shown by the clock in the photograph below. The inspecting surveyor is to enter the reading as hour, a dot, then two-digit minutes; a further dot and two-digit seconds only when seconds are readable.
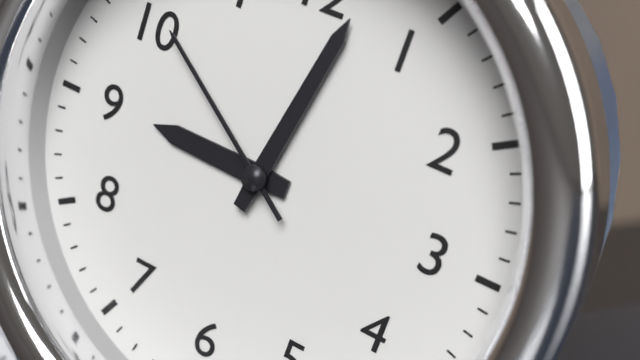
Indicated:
9.02.51
